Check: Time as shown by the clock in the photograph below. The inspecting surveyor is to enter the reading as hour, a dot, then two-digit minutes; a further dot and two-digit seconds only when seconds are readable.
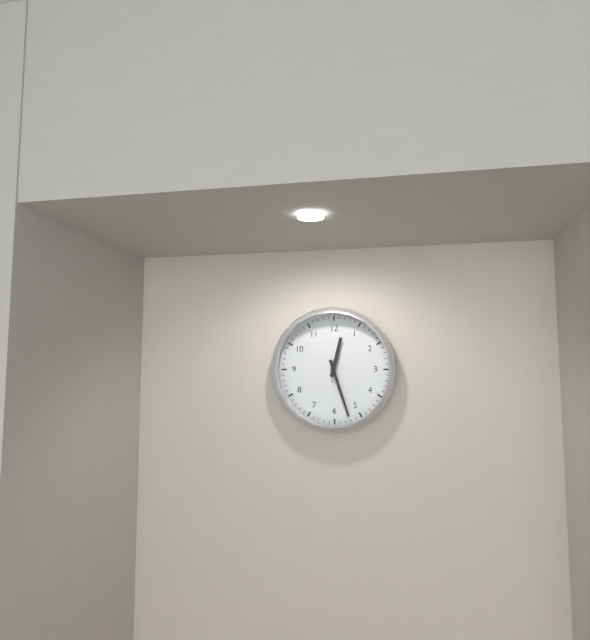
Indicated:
12.27
